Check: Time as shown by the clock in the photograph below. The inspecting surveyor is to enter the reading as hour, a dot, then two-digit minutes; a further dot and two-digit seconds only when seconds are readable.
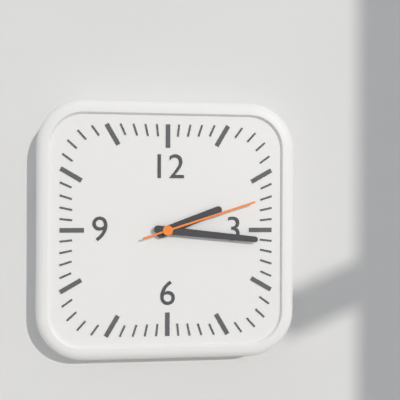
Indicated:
2.16.12
